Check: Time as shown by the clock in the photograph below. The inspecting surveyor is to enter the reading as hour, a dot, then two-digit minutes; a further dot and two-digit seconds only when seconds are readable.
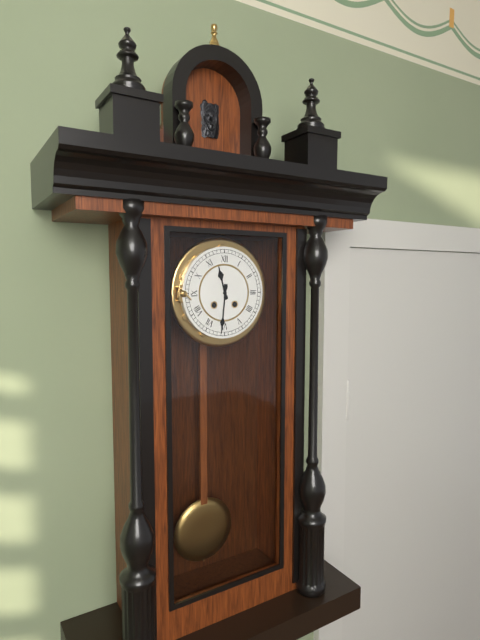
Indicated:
11.31
